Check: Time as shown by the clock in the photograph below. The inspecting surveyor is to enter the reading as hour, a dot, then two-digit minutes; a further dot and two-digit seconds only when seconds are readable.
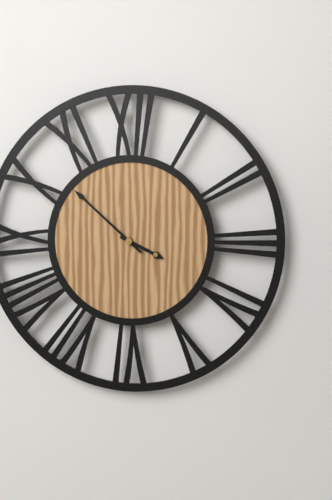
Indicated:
3.52
